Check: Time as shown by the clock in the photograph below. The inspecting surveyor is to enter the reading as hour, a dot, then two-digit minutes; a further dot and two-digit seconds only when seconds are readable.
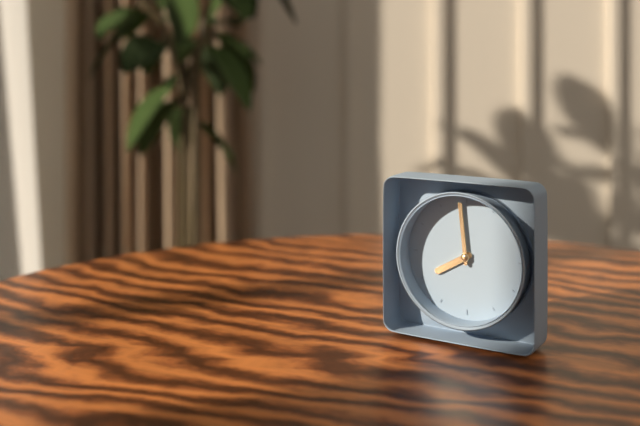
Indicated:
7.59
